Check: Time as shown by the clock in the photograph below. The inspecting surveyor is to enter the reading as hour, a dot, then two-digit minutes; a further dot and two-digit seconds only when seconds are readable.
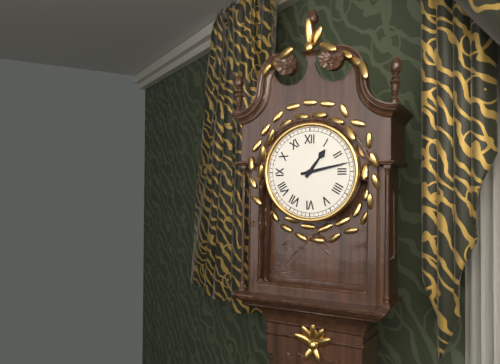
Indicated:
1.13
